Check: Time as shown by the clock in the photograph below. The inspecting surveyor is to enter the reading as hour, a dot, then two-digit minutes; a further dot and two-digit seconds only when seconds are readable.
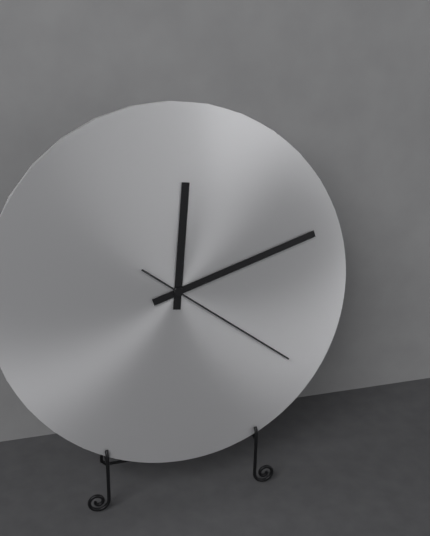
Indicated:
12.12.21
